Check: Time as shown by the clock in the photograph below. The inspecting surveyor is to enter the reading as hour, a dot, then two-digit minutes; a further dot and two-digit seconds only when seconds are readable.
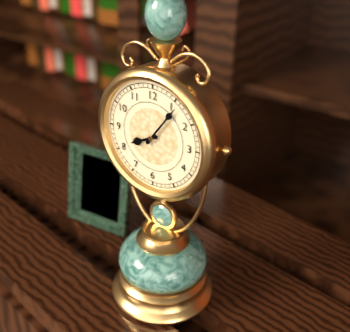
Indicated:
8.06
